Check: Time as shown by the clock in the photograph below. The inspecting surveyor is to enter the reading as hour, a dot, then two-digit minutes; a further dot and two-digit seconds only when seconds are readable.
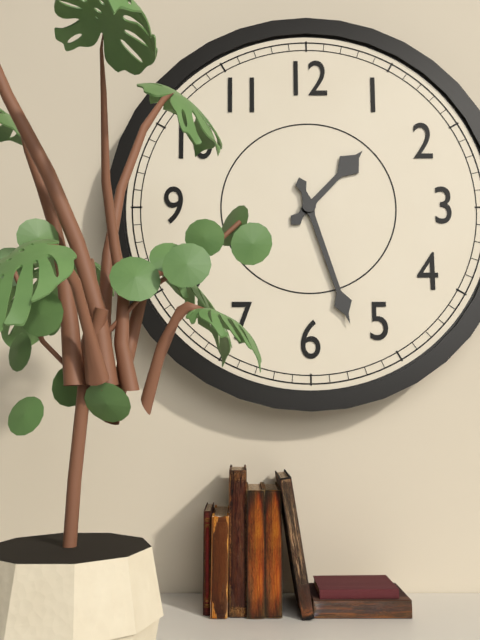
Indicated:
1.27
